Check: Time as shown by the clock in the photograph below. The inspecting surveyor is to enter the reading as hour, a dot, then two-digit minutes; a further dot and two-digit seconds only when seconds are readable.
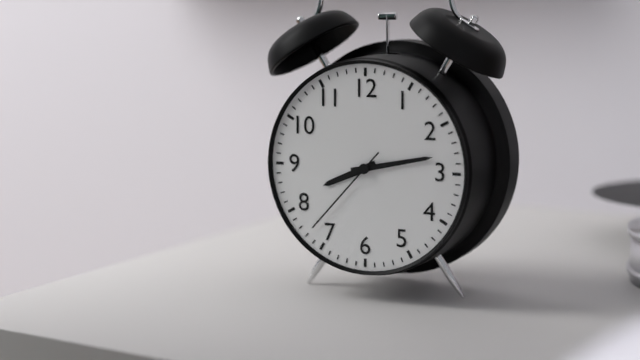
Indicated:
8.13.37
